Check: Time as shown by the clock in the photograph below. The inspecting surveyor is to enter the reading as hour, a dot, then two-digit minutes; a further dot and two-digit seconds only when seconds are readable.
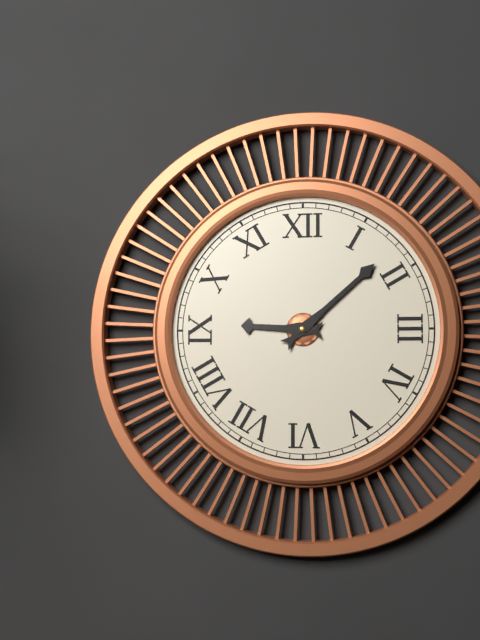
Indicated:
9.08
